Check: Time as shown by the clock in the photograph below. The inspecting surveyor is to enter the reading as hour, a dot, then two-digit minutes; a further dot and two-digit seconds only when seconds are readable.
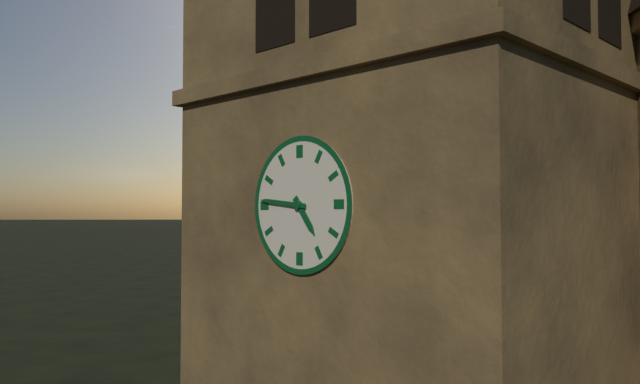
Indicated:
4.46
